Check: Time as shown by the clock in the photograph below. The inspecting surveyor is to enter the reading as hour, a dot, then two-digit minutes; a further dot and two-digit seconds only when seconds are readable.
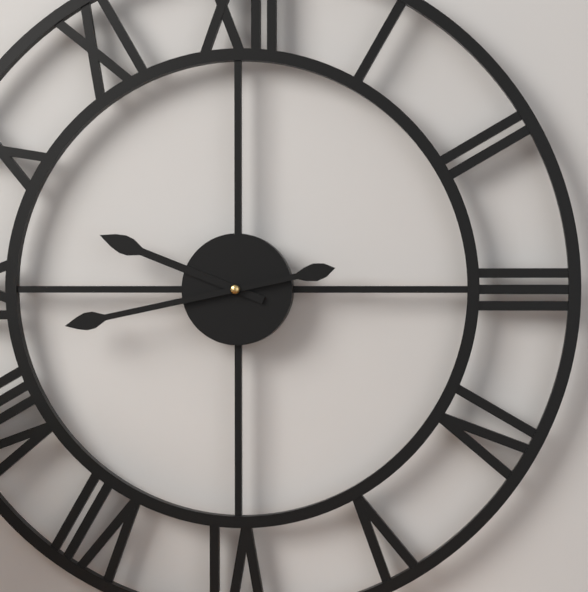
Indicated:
9.43
